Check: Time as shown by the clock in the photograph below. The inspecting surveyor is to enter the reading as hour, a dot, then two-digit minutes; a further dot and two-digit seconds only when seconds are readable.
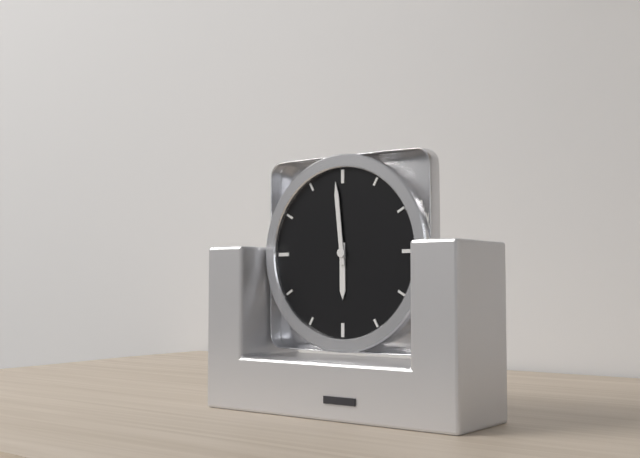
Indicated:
5.59
